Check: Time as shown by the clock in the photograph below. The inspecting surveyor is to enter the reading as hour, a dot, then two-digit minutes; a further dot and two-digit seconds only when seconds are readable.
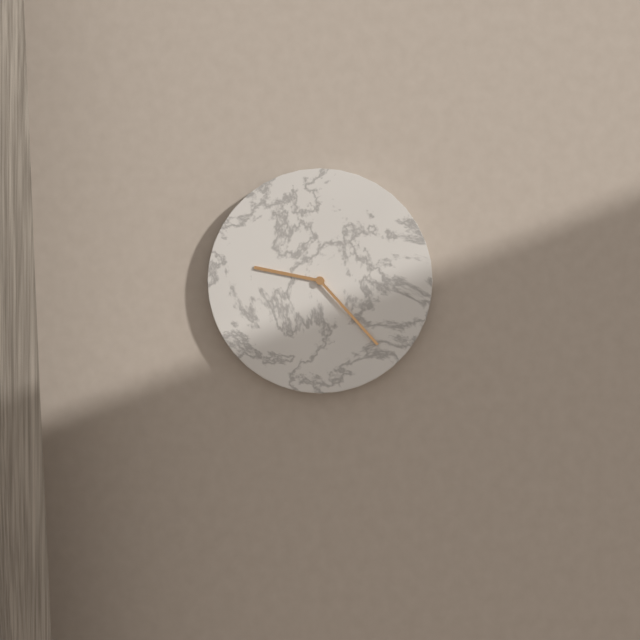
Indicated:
9.23
